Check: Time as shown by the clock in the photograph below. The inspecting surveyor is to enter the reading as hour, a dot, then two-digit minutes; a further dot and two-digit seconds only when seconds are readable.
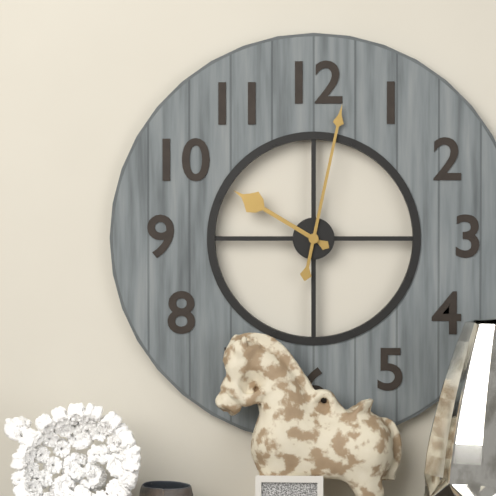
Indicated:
10.02
